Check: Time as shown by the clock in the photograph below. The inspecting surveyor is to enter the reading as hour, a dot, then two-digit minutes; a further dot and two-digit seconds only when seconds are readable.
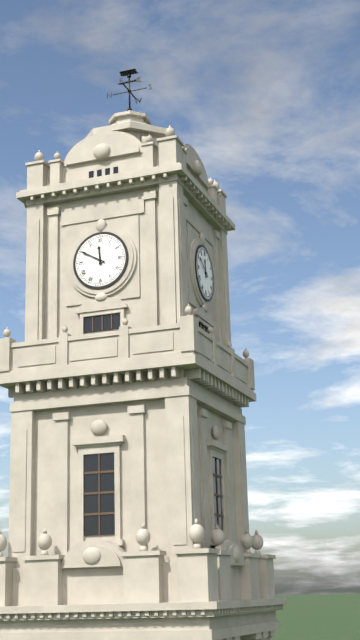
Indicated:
11.50
